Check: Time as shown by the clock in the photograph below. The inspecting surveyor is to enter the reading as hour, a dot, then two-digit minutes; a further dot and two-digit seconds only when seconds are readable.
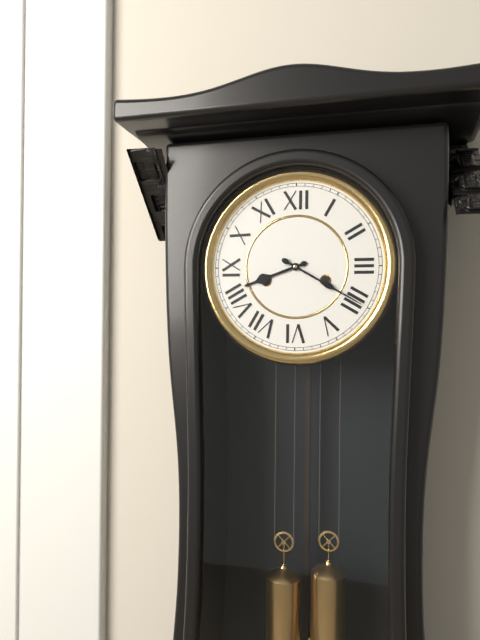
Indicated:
8.20
